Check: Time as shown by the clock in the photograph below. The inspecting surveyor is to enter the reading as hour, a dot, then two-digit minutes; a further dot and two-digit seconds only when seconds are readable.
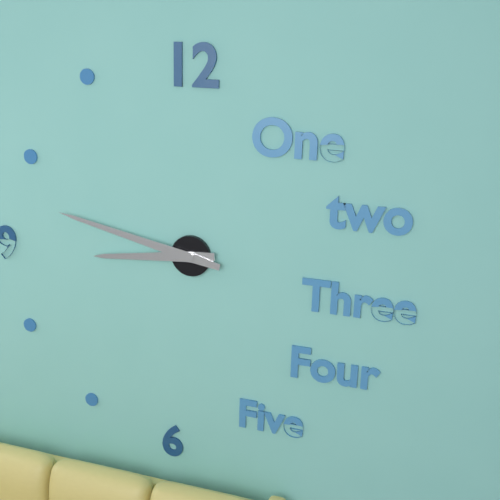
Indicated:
8.47
